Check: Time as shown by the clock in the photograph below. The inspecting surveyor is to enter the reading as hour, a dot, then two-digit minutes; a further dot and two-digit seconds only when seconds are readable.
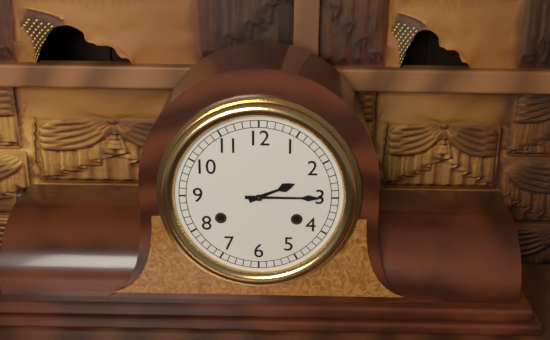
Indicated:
2.15
